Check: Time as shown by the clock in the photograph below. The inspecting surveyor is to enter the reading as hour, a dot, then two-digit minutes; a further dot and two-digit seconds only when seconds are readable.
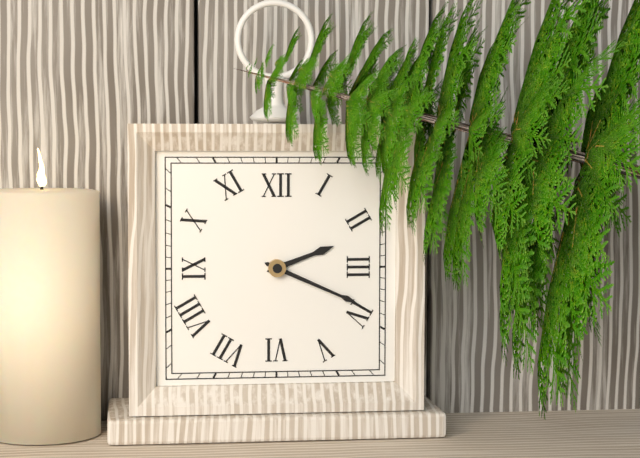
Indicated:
2.19
